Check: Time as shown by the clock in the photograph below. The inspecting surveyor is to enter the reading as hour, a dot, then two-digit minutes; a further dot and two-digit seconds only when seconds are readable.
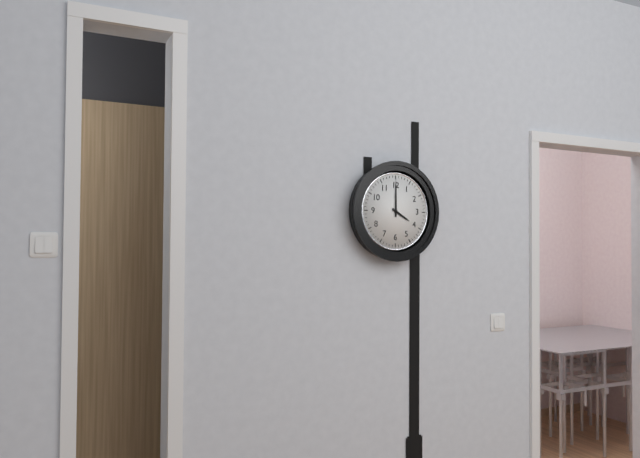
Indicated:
4.00
